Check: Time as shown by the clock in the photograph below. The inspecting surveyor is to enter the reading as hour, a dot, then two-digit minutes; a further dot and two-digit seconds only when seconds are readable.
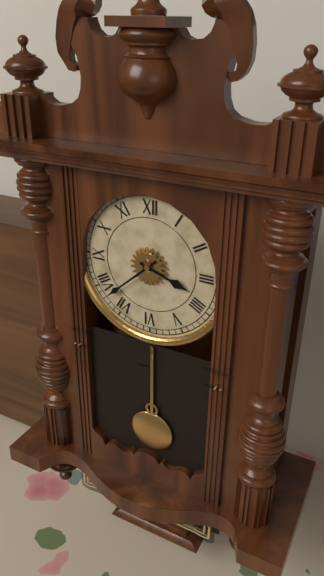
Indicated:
3.38
